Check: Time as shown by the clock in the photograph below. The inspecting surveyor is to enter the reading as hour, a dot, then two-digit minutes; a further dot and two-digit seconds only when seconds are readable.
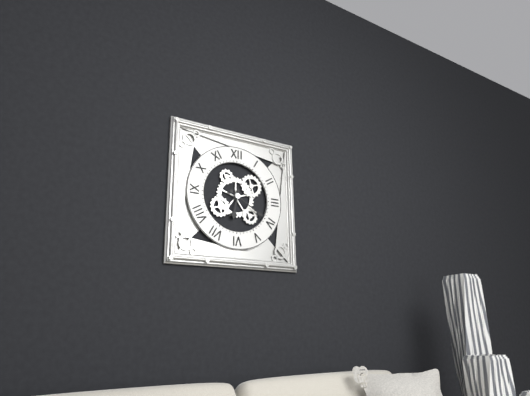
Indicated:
6.20
